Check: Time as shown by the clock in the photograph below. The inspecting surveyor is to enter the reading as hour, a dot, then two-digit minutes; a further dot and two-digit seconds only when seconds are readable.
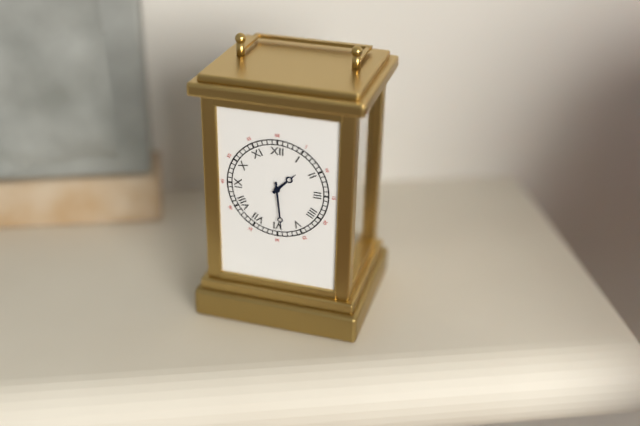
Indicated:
1.29
